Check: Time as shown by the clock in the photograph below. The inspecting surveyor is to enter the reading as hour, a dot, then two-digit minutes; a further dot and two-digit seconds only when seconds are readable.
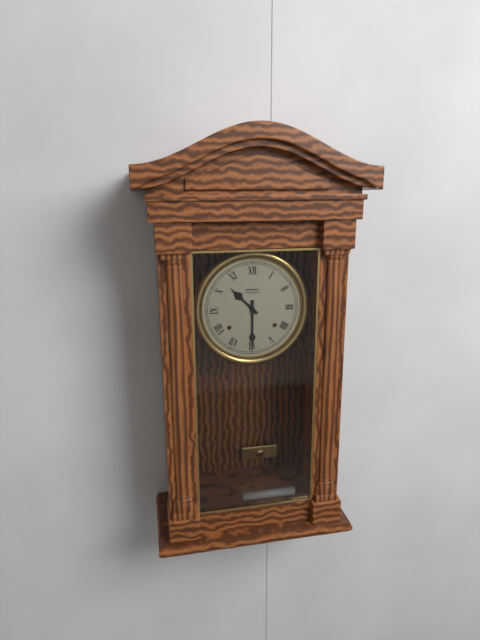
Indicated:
10.30
